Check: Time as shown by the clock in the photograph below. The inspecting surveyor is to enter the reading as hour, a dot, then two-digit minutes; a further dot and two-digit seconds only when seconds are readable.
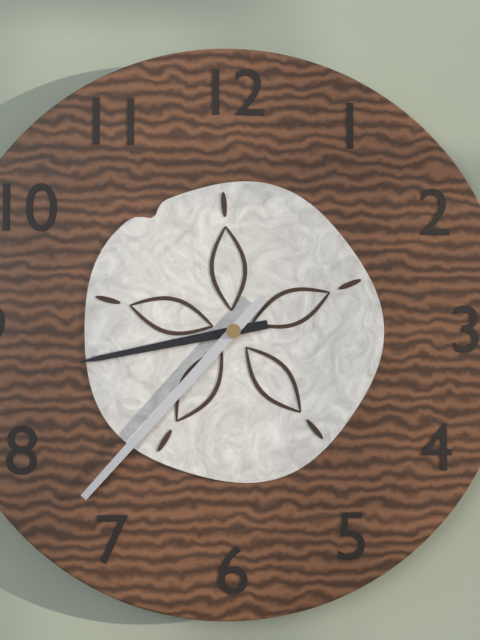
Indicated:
8.37
